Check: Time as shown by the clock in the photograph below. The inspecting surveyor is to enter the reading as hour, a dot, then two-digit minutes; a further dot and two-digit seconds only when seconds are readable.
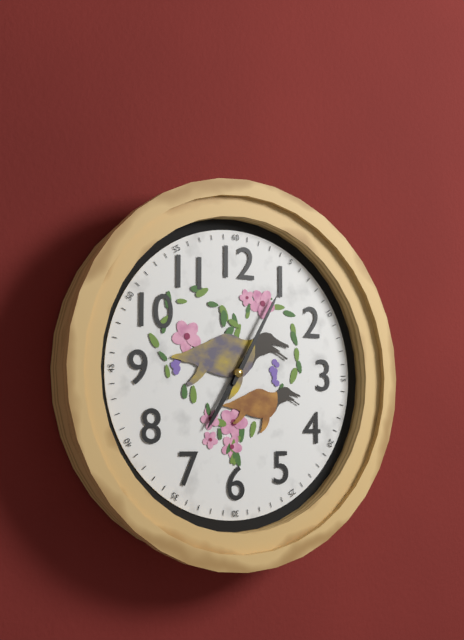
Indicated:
7.05
